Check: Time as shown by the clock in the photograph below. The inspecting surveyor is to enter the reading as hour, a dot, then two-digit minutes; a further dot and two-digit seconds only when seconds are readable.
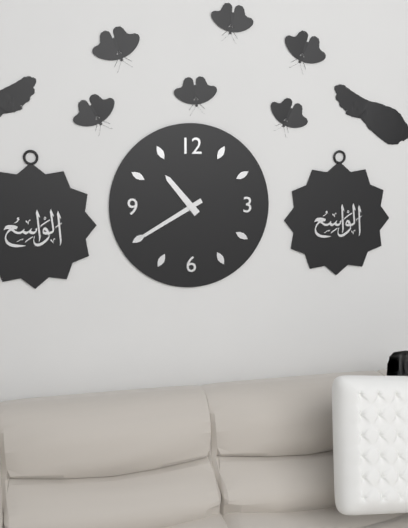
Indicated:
10.40
